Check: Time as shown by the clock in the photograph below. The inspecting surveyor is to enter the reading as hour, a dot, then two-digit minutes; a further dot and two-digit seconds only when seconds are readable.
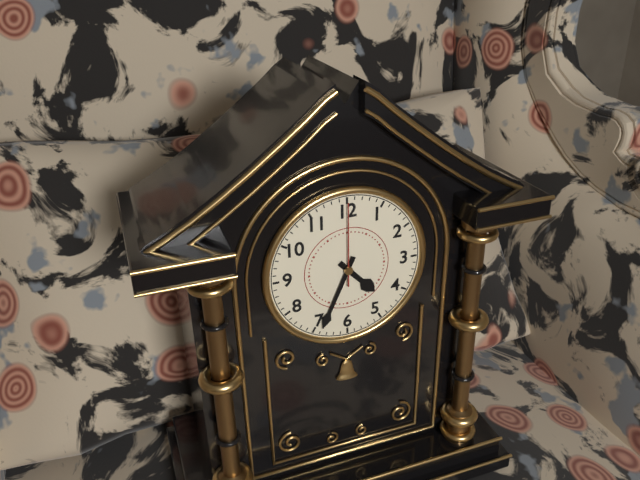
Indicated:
4.34.00
